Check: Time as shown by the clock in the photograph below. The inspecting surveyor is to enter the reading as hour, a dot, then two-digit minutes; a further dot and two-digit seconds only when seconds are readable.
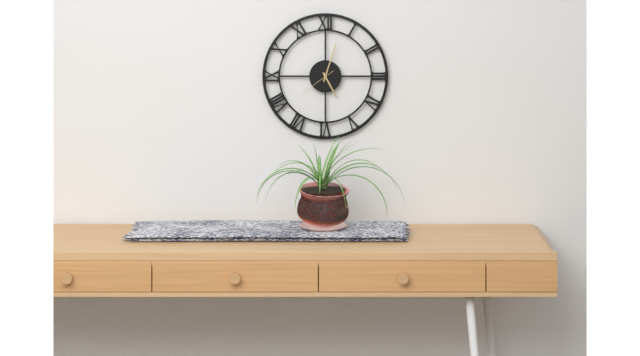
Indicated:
5.03
